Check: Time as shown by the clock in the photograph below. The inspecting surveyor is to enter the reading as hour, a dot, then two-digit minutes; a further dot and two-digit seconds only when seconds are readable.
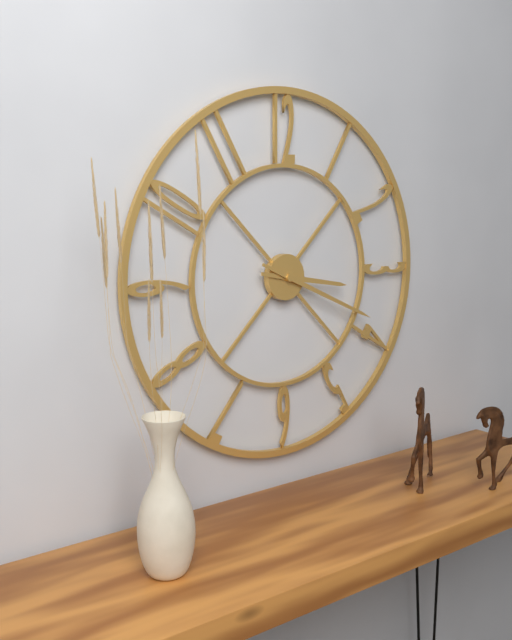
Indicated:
3.19
